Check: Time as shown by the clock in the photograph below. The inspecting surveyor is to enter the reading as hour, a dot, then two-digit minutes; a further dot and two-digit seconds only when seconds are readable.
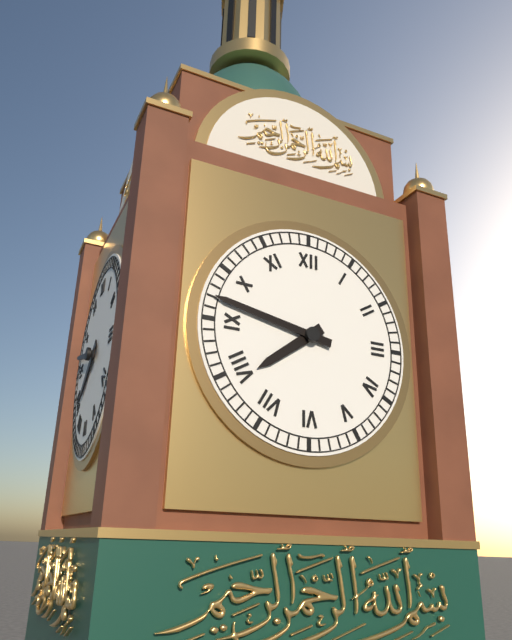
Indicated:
7.47
